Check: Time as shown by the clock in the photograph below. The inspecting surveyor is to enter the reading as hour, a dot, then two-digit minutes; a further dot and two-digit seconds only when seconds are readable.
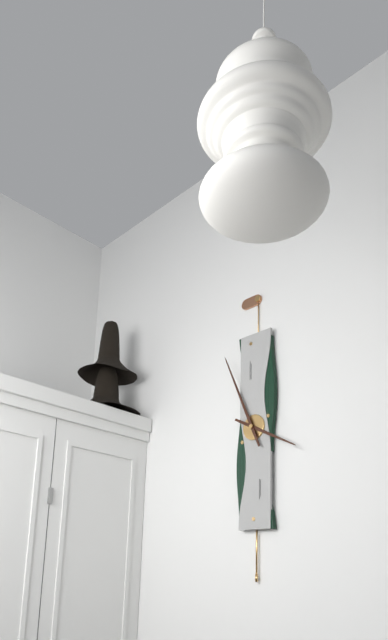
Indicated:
3.56
